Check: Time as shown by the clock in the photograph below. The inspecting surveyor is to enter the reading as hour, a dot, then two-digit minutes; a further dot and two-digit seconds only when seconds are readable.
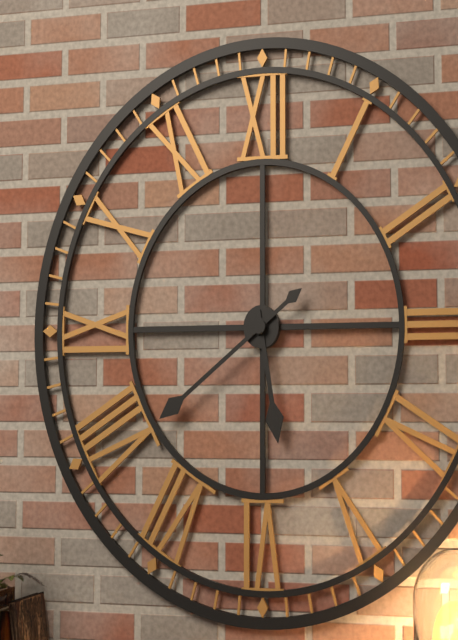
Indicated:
5.39
